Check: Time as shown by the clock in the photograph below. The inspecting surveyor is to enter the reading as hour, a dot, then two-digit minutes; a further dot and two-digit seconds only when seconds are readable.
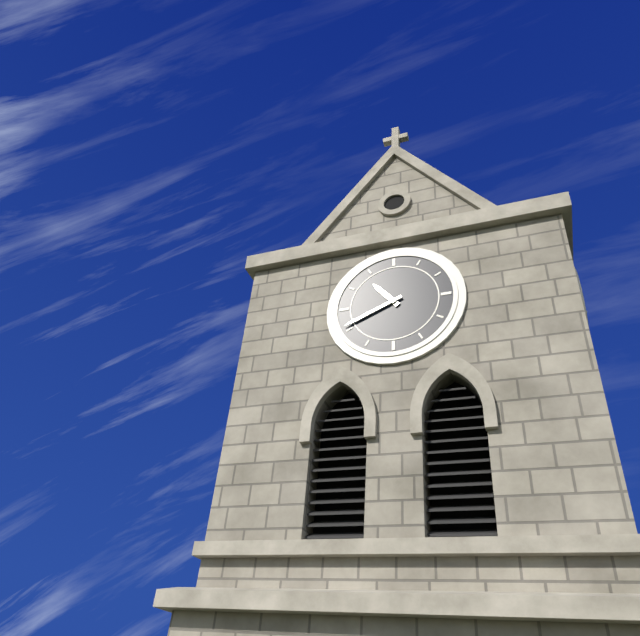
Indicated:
10.41
